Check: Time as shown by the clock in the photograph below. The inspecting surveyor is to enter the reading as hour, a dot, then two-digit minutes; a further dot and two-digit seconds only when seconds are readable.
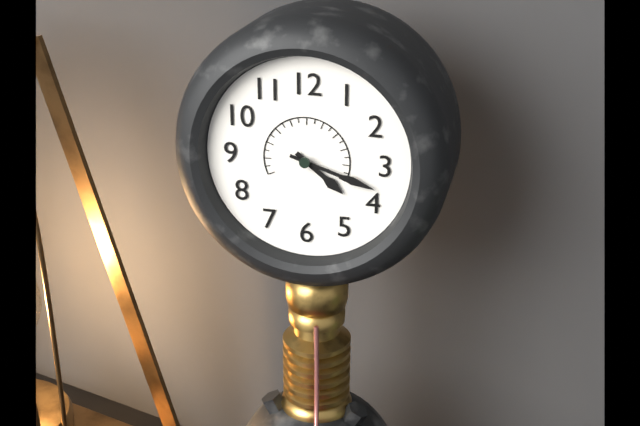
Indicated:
4.18
